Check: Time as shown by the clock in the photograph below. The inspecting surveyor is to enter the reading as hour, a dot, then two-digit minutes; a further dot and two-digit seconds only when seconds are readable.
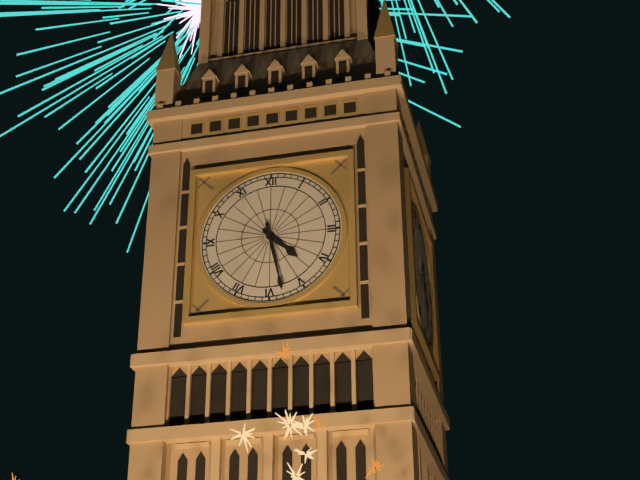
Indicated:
4.28
